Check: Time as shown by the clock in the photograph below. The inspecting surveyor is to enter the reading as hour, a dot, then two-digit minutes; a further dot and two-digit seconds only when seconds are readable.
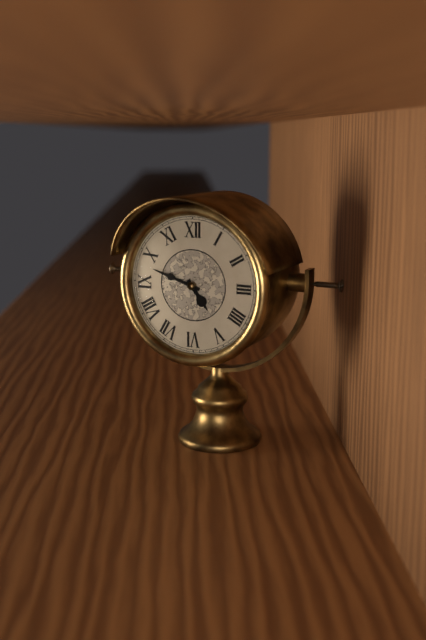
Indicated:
4.48
